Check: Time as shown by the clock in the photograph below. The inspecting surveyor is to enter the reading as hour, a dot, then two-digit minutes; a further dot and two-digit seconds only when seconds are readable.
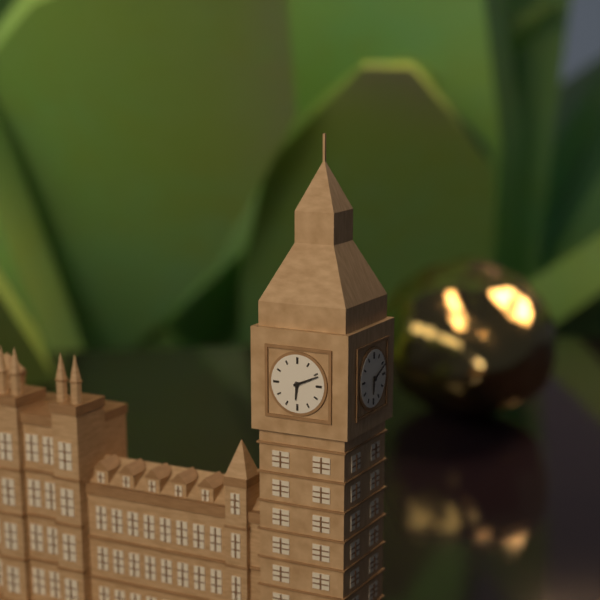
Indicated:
6.11
